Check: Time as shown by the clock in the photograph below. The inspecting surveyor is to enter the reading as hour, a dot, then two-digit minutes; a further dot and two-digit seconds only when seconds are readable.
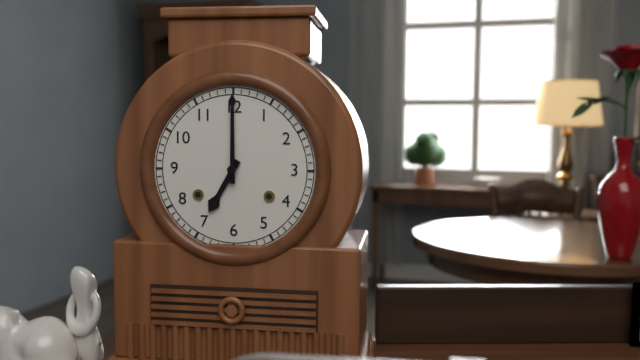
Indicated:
7.00
